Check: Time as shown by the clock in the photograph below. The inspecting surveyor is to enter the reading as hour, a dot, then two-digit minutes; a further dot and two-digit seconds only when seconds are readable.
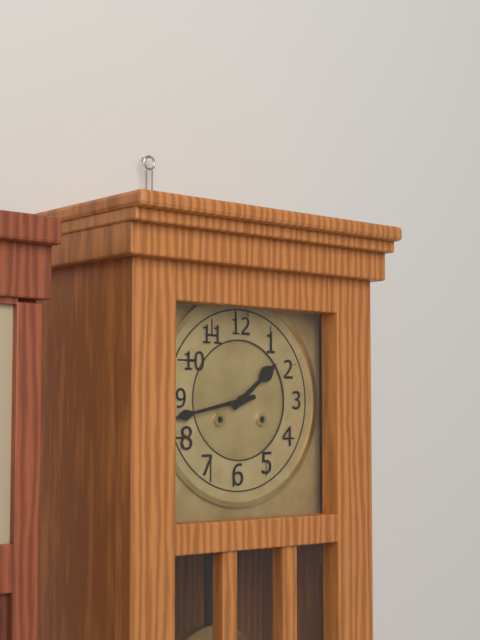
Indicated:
1.43
